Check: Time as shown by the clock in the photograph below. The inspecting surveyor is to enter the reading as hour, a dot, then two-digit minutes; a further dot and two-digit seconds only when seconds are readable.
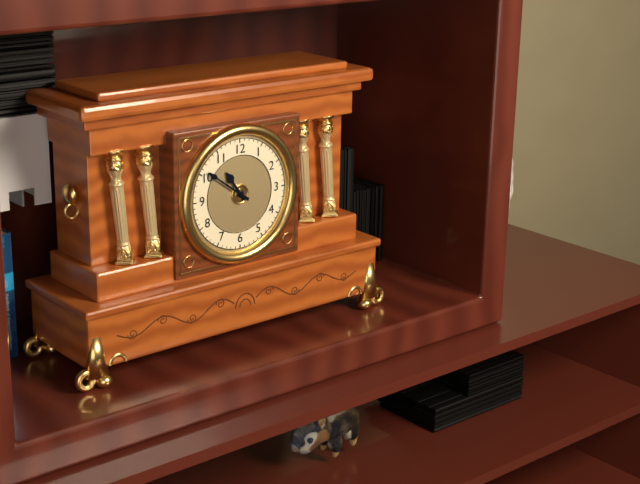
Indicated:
10.51
